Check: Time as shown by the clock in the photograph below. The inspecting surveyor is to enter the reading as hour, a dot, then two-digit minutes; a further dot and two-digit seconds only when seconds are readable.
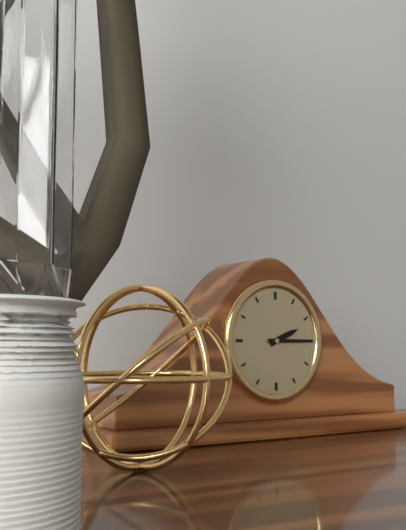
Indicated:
2.15
